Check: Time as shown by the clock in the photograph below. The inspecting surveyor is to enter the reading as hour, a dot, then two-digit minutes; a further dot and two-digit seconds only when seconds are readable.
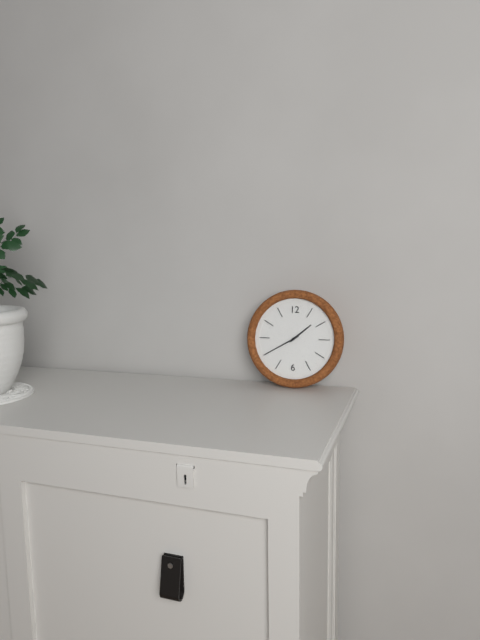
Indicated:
1.40
